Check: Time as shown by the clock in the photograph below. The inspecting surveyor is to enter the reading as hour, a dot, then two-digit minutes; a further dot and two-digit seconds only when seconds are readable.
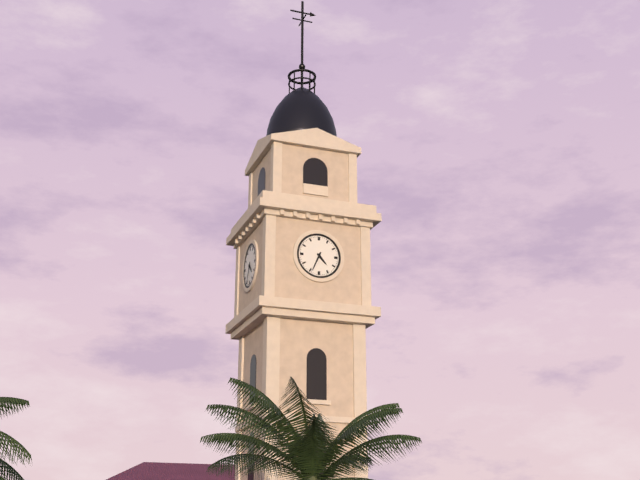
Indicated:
4.34
